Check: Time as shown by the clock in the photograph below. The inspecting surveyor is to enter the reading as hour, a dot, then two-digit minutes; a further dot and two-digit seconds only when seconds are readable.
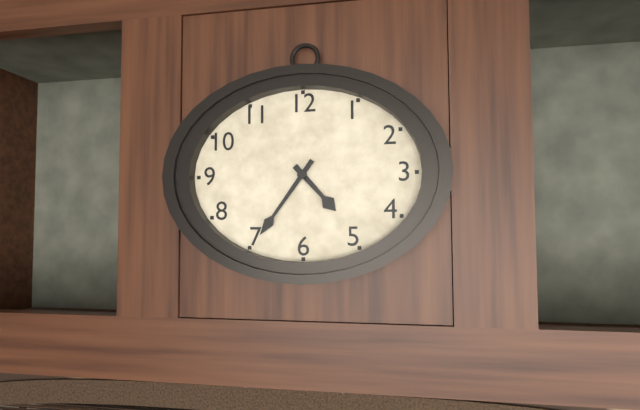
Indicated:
4.36
